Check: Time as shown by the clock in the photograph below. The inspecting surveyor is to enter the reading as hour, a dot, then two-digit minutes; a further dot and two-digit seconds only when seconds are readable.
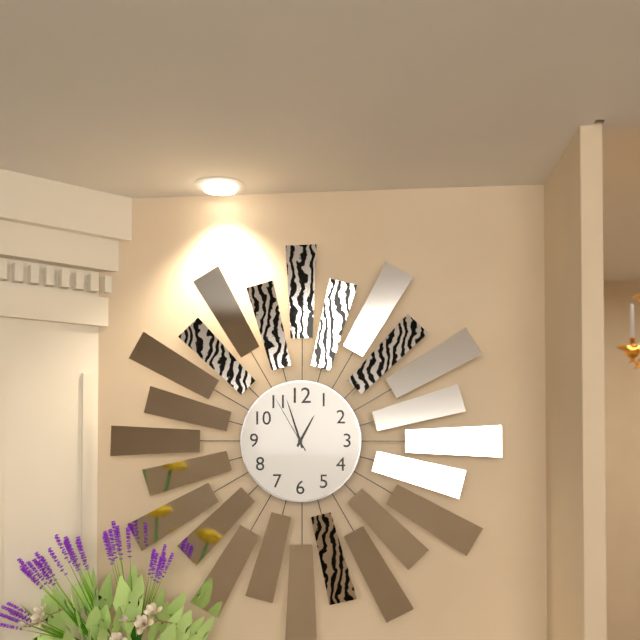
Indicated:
12.57.55
